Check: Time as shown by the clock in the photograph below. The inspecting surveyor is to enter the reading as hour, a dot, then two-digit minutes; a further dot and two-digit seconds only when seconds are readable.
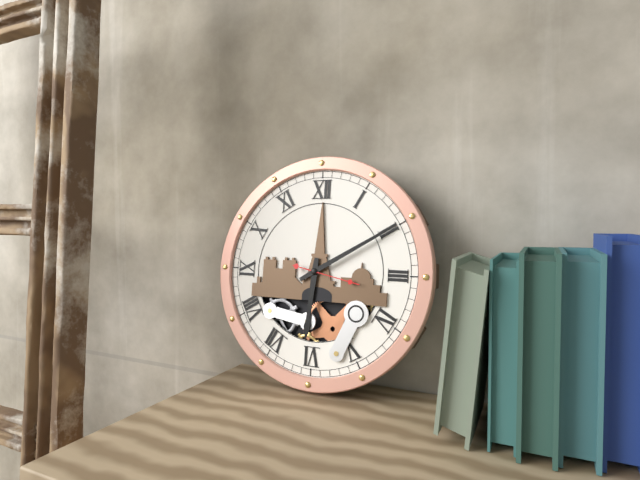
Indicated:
6.10.17
